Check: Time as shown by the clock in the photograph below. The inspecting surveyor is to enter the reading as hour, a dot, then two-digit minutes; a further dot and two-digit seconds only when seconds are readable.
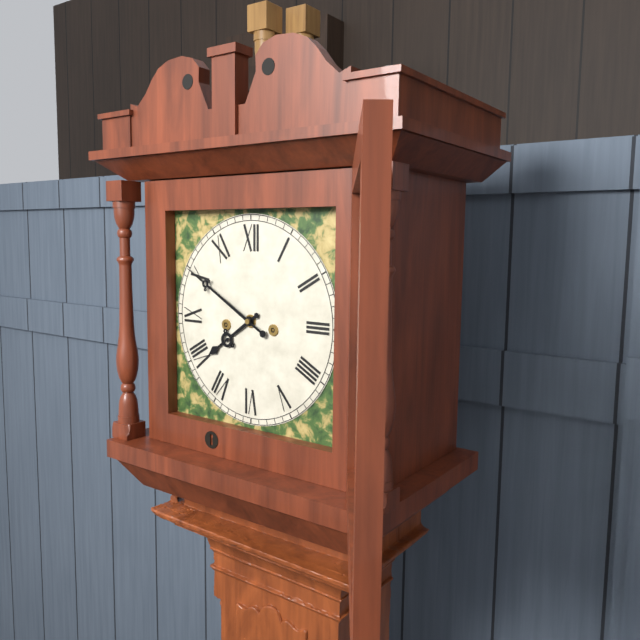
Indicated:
7.50
